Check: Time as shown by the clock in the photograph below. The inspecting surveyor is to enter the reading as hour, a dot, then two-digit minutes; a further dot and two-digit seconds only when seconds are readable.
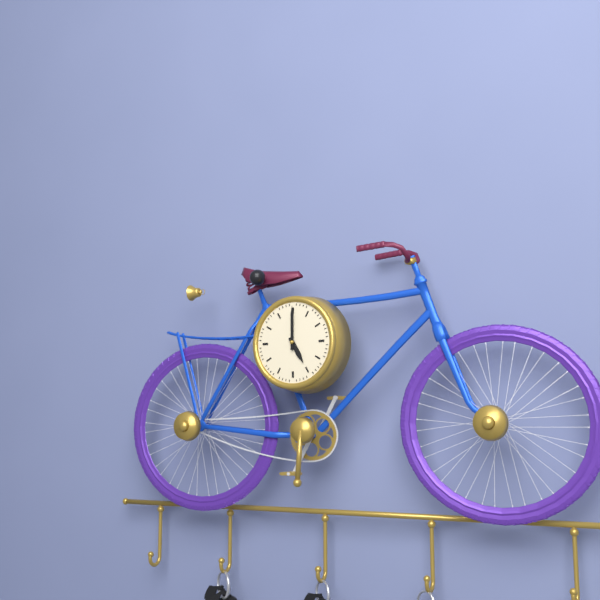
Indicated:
5.00
